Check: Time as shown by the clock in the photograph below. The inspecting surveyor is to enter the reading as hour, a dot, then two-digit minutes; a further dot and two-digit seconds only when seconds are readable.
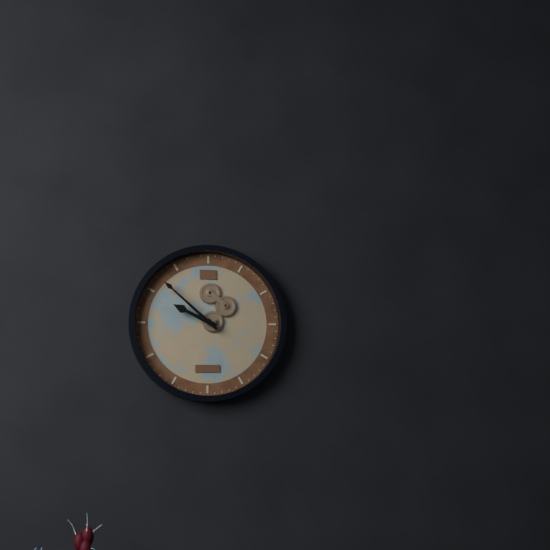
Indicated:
9.52
